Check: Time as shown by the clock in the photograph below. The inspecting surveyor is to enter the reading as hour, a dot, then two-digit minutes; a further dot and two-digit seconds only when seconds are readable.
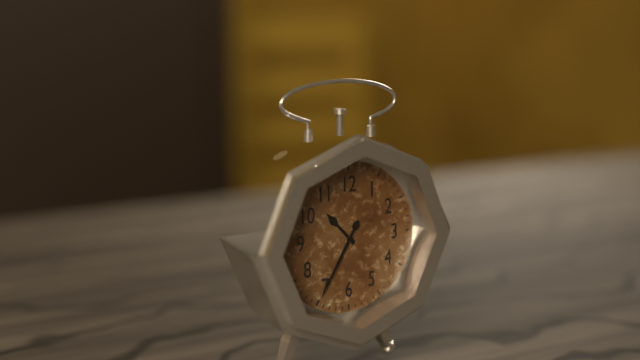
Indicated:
10.35
